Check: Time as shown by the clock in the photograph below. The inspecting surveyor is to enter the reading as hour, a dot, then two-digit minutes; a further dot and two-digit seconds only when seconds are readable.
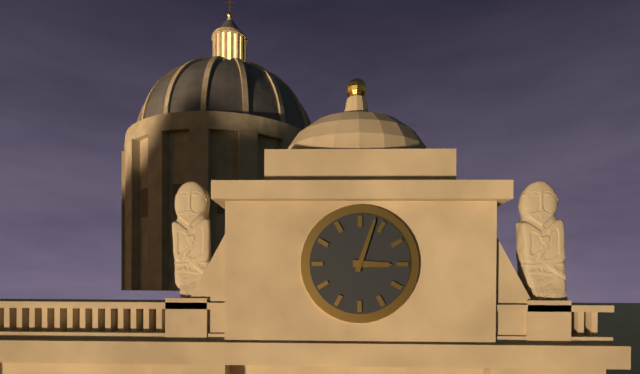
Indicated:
3.03
